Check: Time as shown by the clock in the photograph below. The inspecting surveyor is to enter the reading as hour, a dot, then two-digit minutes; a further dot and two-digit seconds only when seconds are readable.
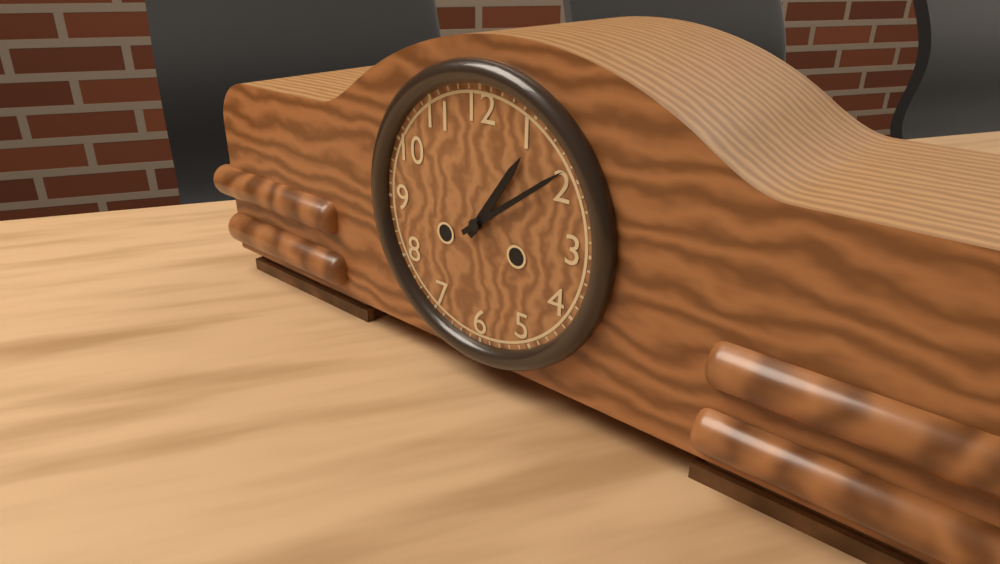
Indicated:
1.09
